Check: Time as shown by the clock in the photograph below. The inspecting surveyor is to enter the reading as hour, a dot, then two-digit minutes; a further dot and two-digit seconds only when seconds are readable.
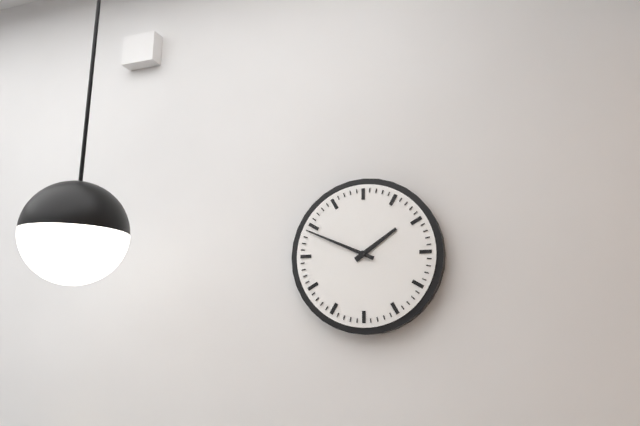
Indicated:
1.49
